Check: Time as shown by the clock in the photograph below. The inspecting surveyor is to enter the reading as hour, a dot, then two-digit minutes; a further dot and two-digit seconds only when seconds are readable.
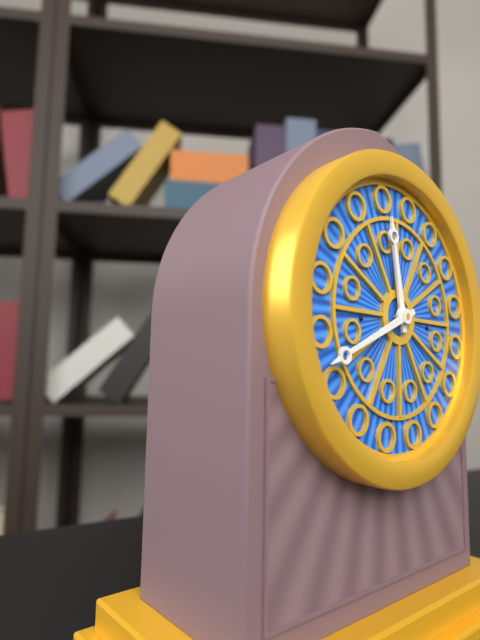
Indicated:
11.41
